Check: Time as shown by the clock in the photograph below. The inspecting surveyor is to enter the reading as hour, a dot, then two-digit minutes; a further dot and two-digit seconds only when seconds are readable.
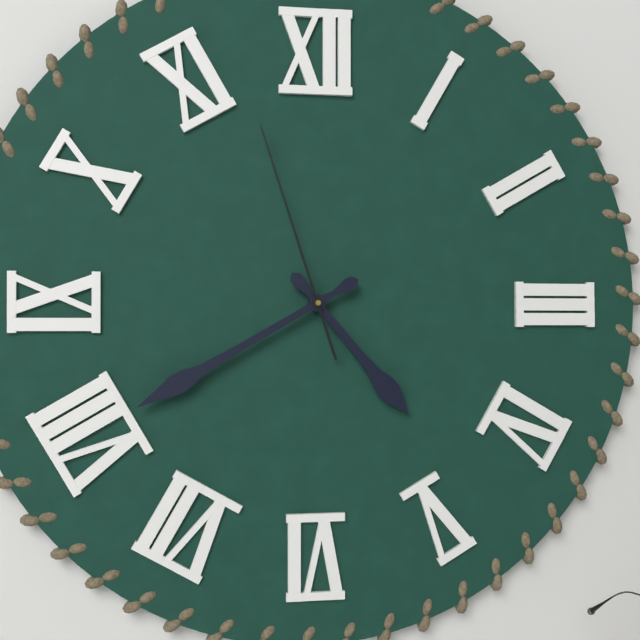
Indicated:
4.40.57
